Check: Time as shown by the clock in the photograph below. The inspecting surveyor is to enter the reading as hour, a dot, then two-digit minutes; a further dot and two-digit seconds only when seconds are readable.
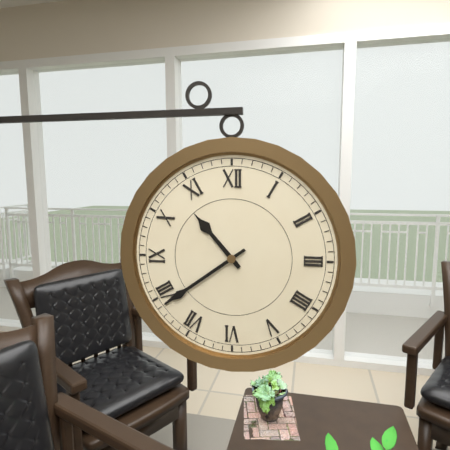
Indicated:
10.39
